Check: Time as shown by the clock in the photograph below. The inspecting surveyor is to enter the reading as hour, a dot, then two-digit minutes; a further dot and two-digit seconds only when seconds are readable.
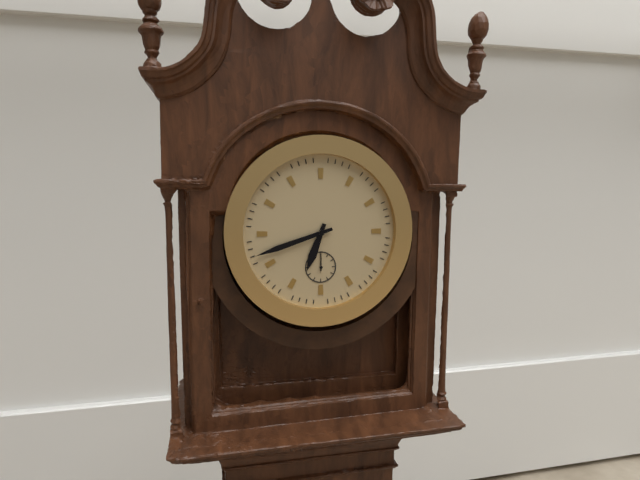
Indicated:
6.42
